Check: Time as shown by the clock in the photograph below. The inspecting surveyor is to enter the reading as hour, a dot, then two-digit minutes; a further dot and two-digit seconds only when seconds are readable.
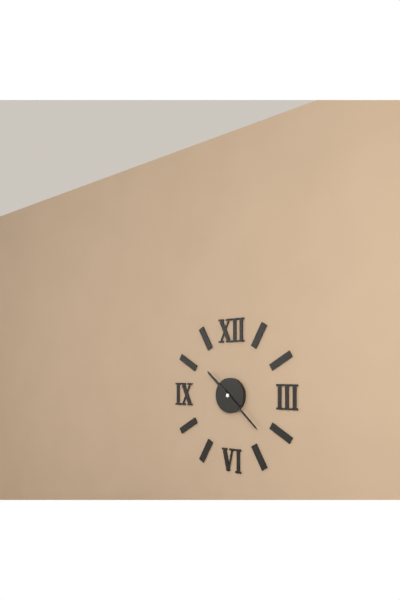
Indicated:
10.22
